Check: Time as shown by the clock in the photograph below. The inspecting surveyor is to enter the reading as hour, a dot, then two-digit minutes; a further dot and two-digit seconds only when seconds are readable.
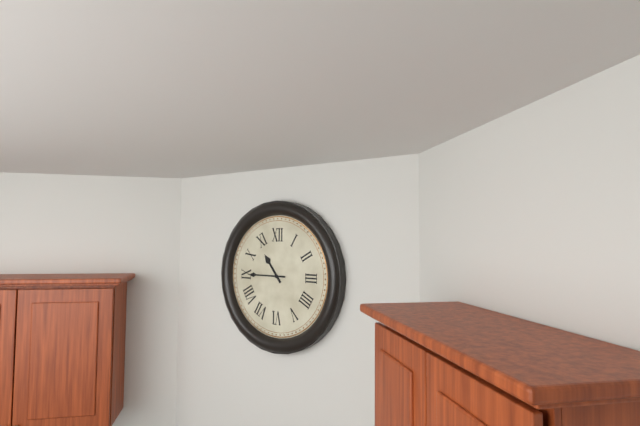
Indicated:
10.45
